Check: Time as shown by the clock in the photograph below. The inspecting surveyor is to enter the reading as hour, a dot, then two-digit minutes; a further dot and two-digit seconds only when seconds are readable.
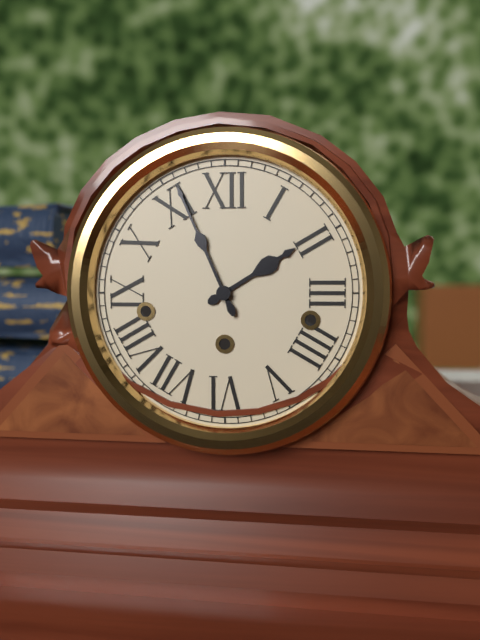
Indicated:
1.56
